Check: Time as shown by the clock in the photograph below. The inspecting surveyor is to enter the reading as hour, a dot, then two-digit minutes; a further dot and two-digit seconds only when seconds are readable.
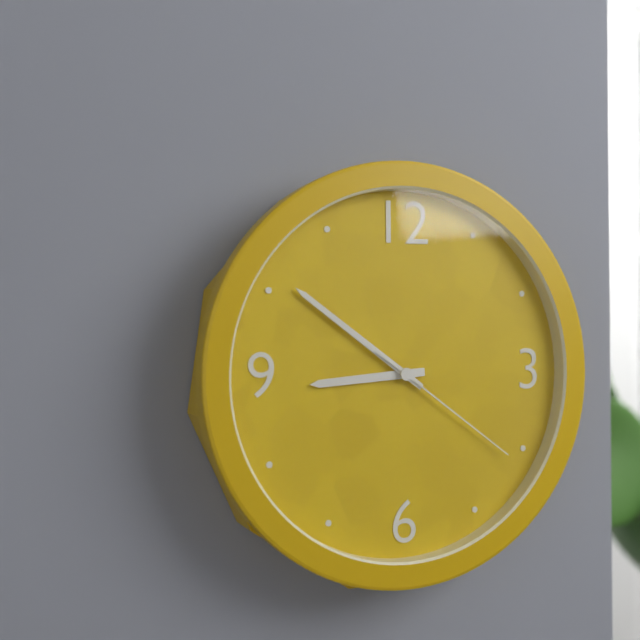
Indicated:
8.51.21
